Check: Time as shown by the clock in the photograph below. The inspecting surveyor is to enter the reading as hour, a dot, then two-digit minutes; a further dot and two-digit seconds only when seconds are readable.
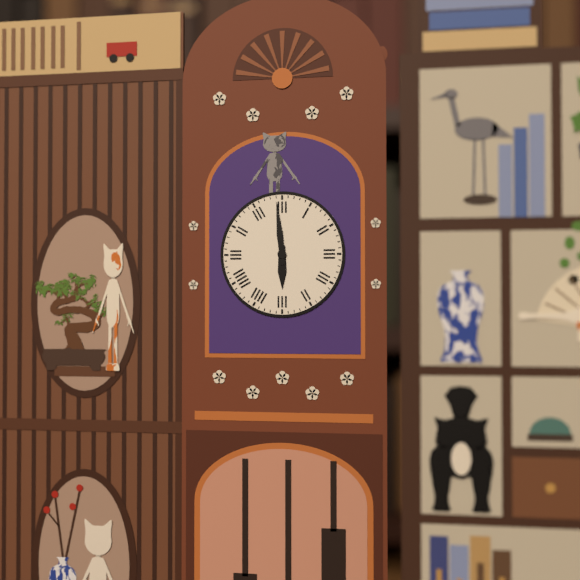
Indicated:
5.59
